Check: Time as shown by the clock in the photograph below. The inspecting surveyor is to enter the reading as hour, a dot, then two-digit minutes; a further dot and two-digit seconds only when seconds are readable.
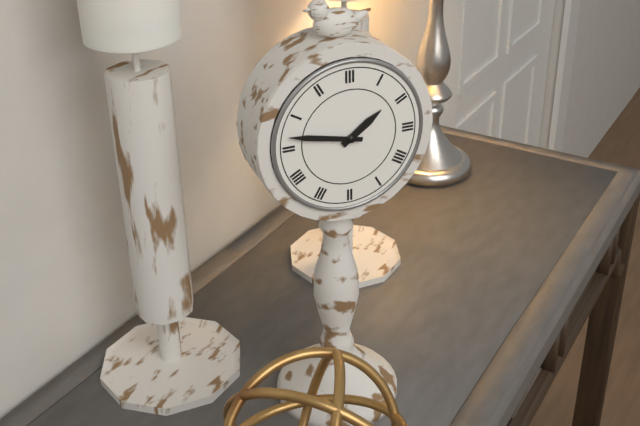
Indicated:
1.47
